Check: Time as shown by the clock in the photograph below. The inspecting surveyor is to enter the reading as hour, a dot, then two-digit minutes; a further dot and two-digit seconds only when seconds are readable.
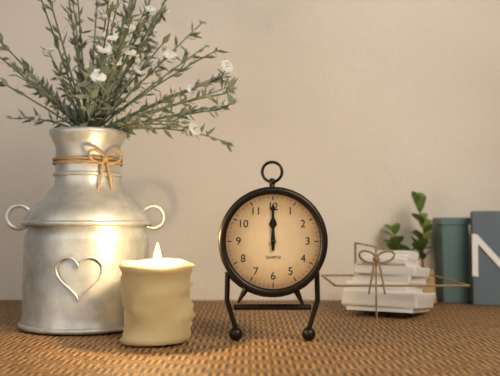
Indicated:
12.00
